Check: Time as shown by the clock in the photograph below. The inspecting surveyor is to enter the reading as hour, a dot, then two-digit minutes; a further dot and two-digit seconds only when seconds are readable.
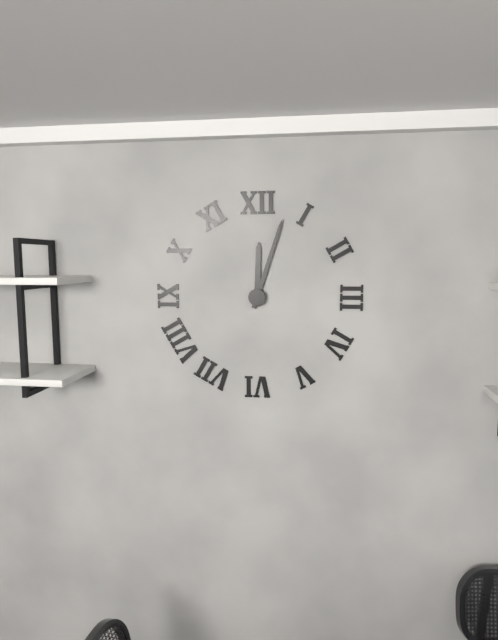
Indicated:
12.03
